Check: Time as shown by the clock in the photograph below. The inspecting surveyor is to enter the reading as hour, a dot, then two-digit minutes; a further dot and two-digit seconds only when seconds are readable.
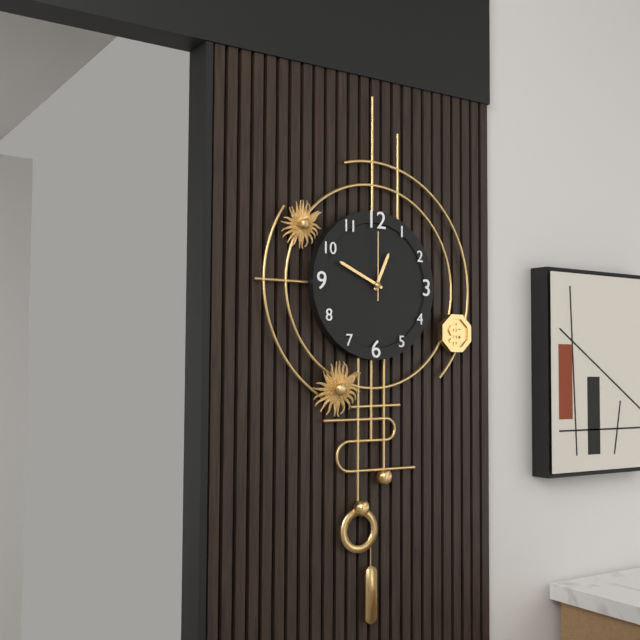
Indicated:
12.49.00
